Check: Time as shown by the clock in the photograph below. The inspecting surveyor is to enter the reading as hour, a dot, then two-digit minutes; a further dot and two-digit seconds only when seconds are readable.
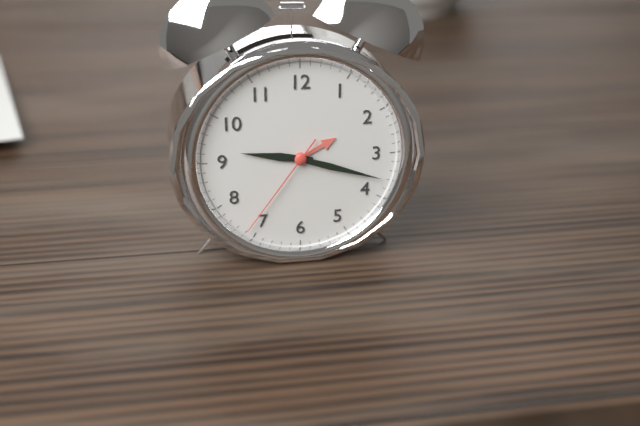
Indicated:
9.18.36
